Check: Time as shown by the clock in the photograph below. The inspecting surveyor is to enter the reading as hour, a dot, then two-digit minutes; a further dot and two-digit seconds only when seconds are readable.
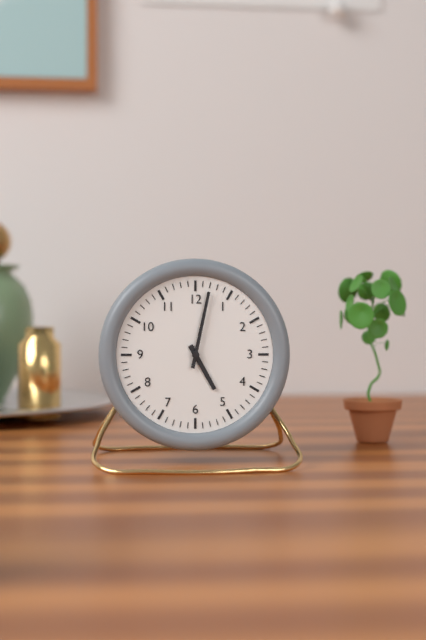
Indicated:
5.02
